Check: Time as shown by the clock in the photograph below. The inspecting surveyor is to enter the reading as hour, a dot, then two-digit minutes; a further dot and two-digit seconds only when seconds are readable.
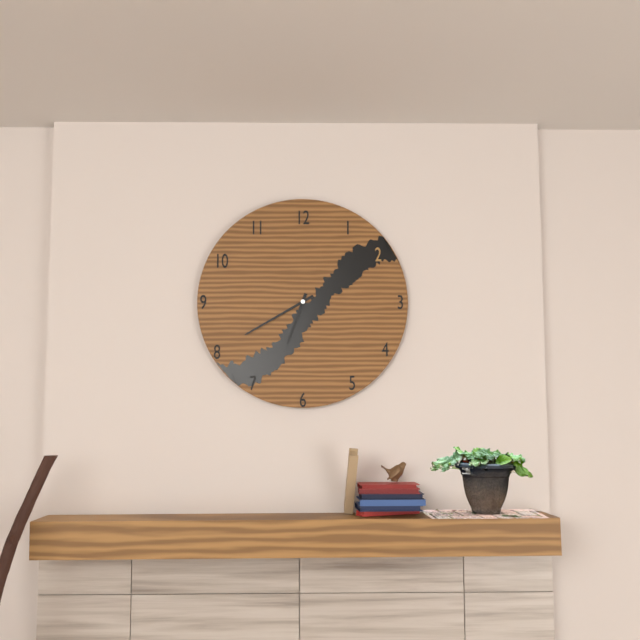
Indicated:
6.40
